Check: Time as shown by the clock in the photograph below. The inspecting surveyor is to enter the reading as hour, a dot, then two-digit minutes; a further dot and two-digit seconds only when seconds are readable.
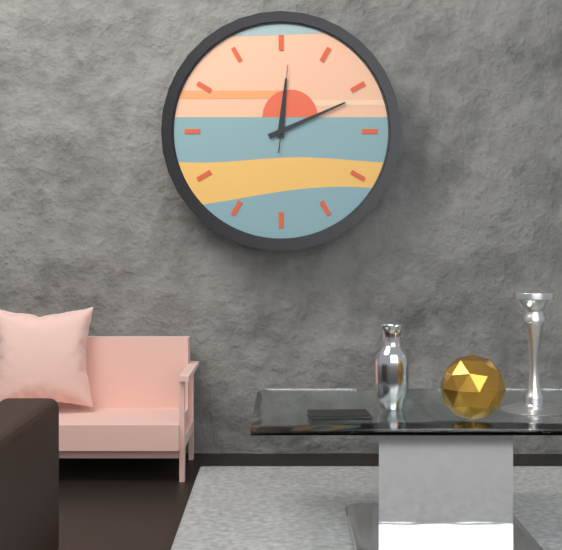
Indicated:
12.11.01
